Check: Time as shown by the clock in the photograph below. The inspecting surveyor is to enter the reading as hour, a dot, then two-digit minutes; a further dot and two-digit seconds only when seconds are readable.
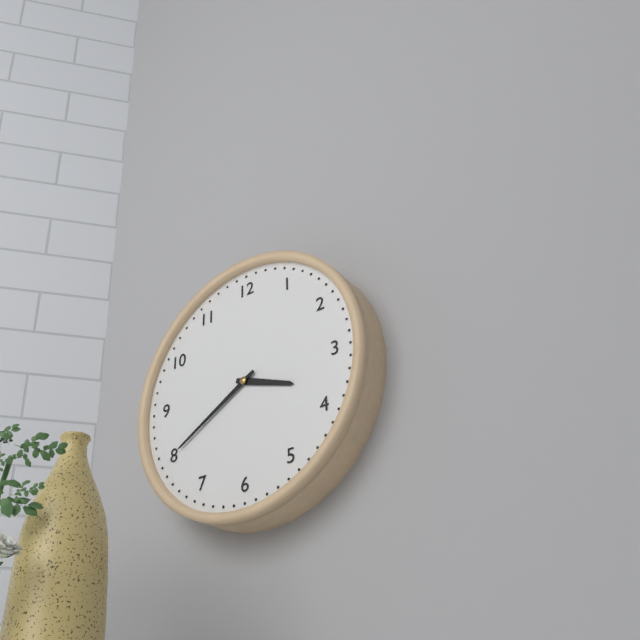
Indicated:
3.40
